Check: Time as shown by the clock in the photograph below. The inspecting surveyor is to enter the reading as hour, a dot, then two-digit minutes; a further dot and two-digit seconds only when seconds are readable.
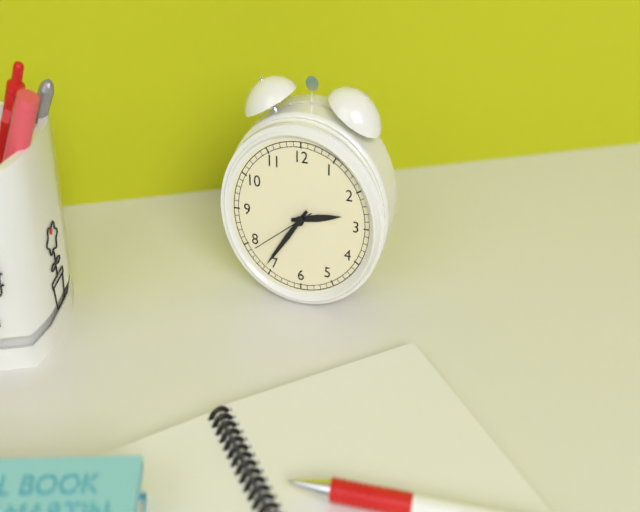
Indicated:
2.36.39
